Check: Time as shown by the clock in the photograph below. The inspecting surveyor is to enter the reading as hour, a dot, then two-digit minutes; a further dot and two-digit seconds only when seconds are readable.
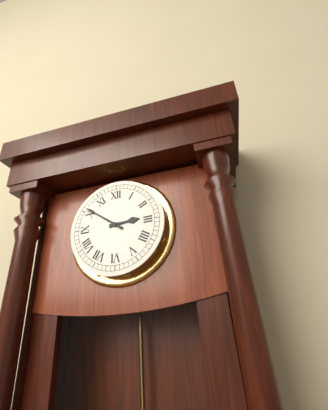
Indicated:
2.51
